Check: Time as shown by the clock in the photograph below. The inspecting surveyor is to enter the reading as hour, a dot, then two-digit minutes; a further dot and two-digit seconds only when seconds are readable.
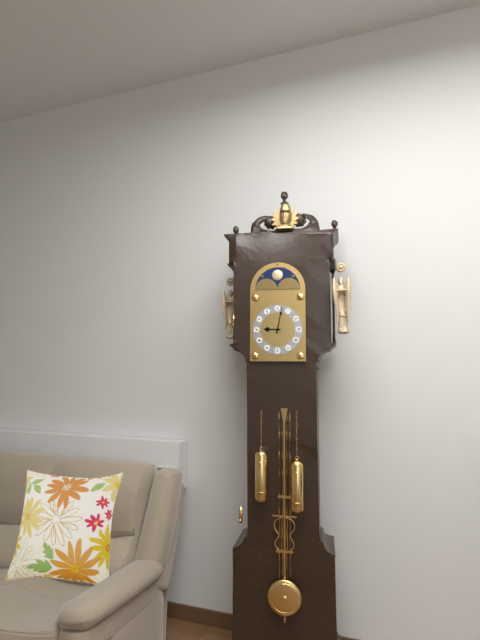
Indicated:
9.02
